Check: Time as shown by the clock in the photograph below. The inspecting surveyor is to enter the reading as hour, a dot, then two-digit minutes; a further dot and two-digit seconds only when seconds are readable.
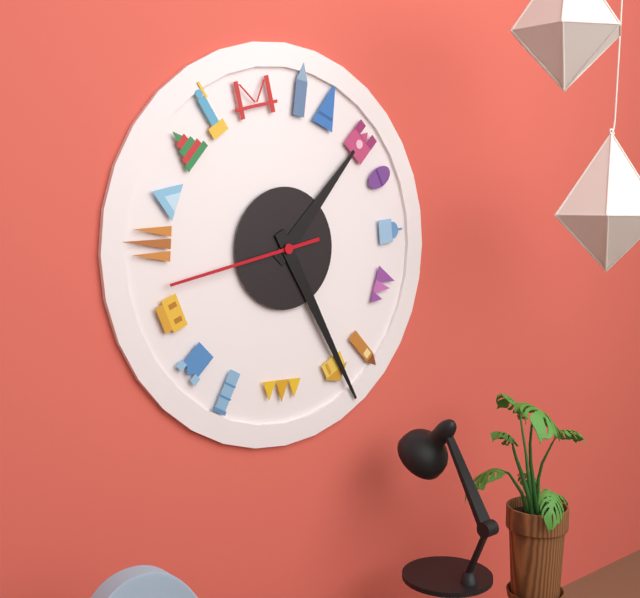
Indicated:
1.25.43
